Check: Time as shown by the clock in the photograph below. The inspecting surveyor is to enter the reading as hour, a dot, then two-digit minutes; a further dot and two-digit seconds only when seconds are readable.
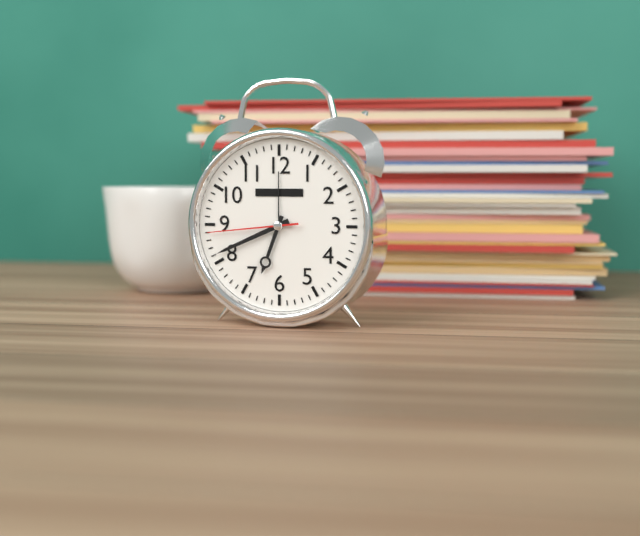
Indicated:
6.41.44
